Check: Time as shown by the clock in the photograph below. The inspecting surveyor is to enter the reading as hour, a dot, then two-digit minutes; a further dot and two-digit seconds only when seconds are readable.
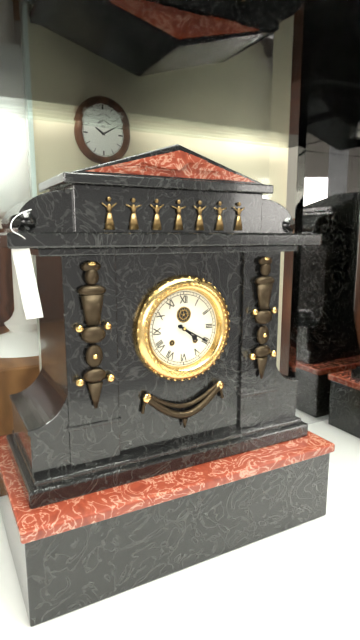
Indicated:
4.20
